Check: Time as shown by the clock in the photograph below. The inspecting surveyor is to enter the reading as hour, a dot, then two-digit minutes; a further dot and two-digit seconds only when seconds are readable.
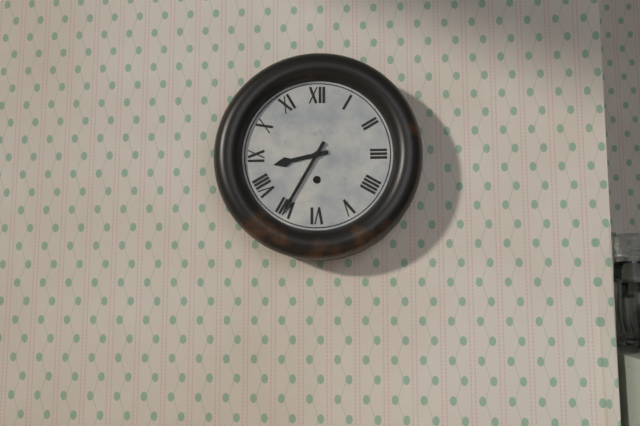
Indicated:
8.35
